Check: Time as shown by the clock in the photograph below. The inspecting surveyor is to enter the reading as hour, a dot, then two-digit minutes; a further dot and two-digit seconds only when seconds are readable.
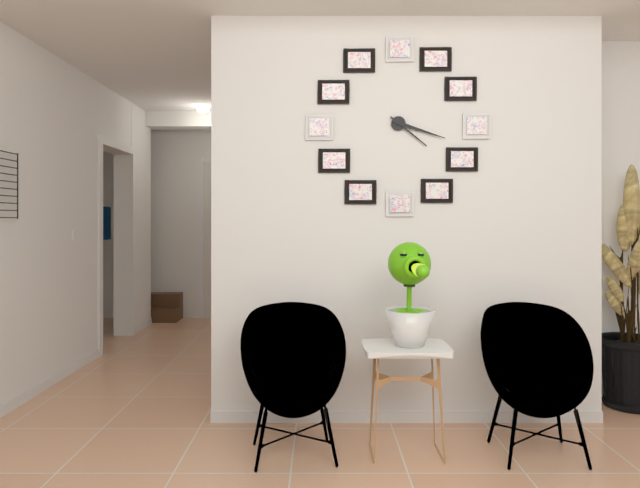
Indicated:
4.18
